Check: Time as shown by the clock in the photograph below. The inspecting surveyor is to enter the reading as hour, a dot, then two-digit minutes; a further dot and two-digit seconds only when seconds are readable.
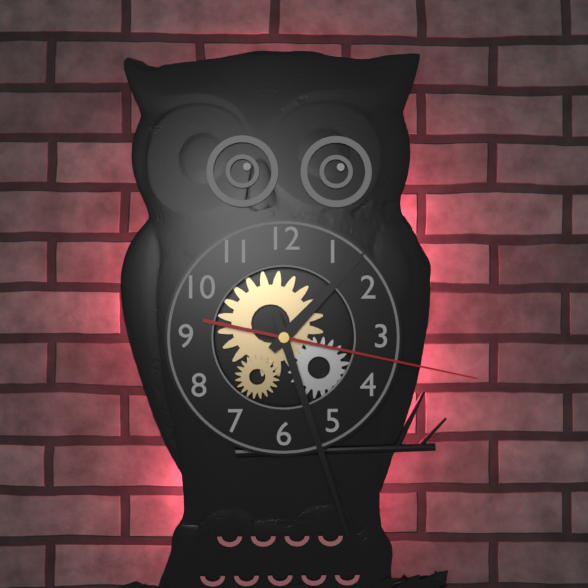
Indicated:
1.27.17
